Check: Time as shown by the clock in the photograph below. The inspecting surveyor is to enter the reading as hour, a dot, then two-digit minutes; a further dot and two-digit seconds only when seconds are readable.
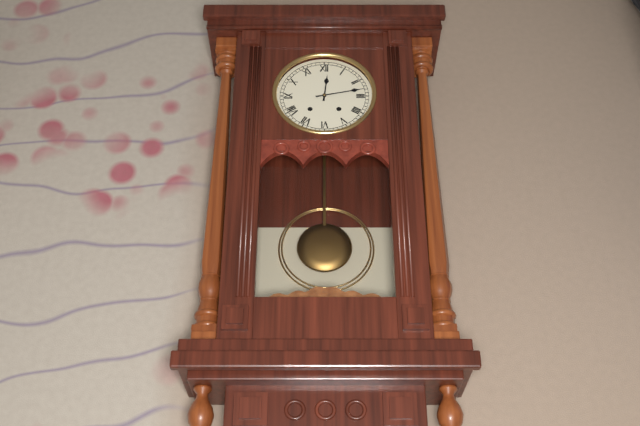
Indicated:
12.13
